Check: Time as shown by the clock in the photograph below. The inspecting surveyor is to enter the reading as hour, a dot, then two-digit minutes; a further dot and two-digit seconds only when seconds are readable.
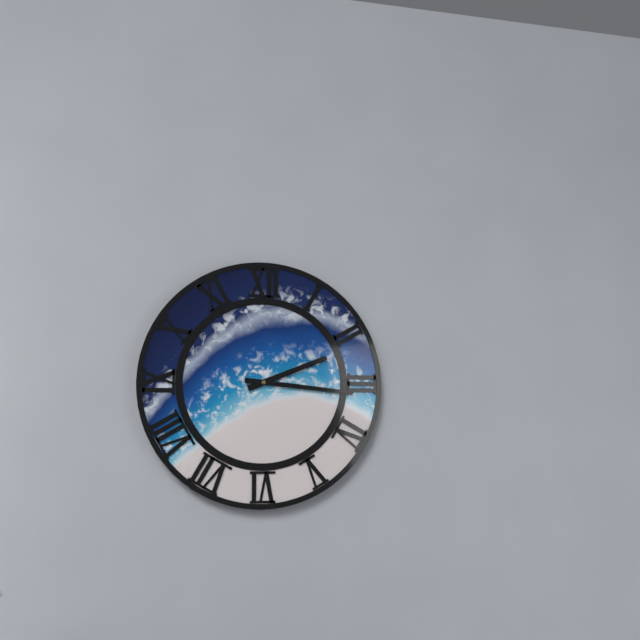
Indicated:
2.16
